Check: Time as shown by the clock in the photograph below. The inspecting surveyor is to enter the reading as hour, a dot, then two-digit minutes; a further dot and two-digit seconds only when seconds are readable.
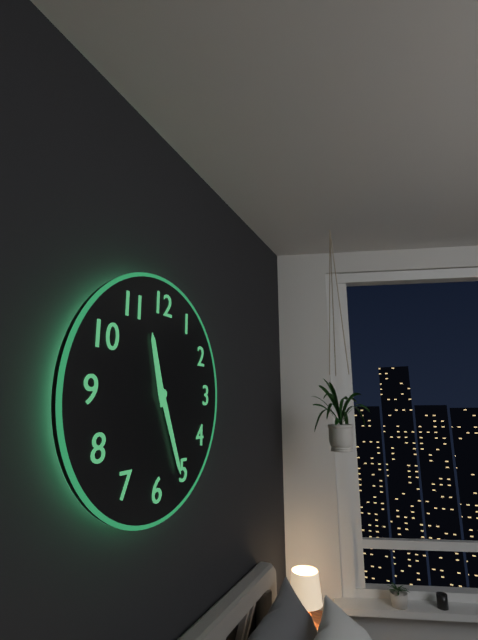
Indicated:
11.26
